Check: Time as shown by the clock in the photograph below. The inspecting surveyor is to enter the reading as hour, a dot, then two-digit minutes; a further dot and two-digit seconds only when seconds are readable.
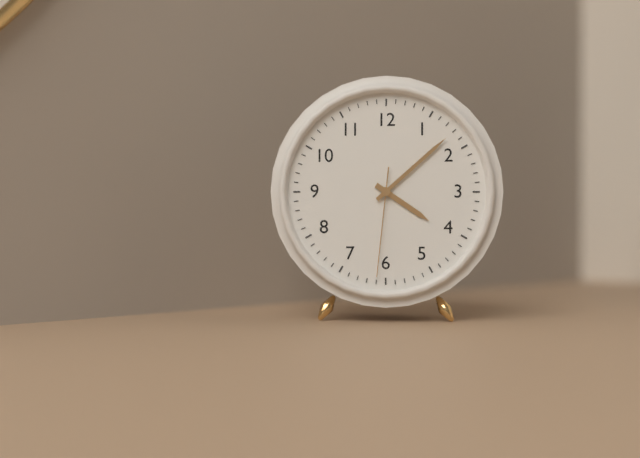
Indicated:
4.08.31
